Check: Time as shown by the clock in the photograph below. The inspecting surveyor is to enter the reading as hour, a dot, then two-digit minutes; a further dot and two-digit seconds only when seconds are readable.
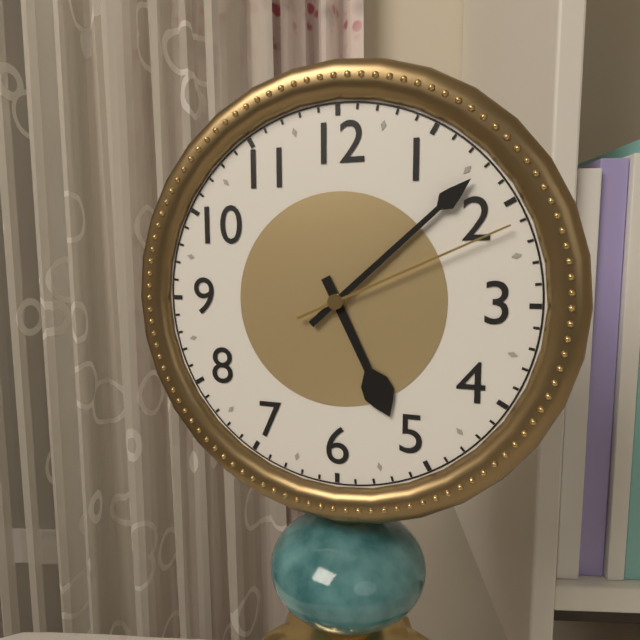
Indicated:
5.08.11
